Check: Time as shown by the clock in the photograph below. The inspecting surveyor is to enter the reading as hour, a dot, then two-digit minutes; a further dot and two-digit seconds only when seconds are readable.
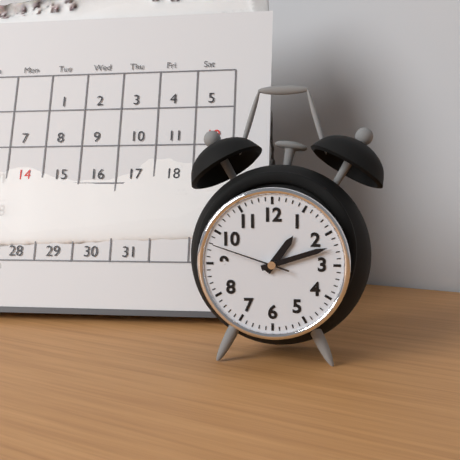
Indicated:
1.12.48
